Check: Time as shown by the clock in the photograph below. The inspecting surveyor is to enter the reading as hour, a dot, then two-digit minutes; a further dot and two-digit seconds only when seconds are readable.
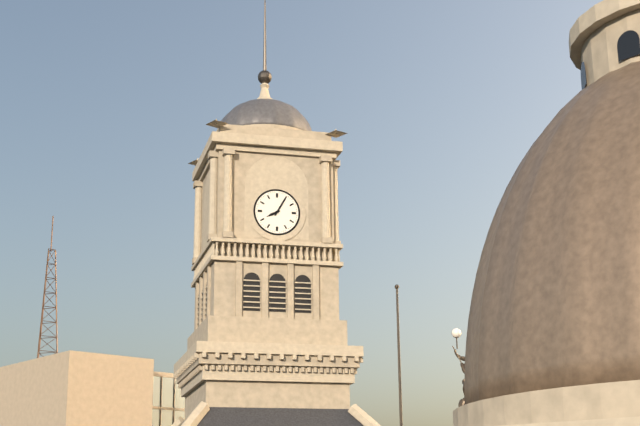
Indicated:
8.05
